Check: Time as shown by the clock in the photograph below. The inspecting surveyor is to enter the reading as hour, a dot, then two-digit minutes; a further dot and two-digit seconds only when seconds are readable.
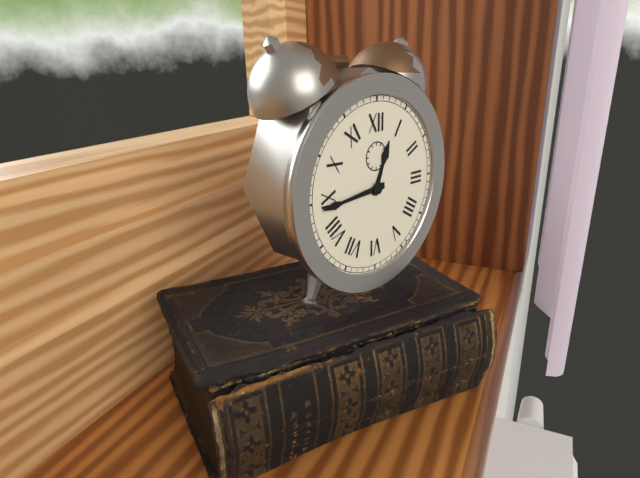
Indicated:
12.44
